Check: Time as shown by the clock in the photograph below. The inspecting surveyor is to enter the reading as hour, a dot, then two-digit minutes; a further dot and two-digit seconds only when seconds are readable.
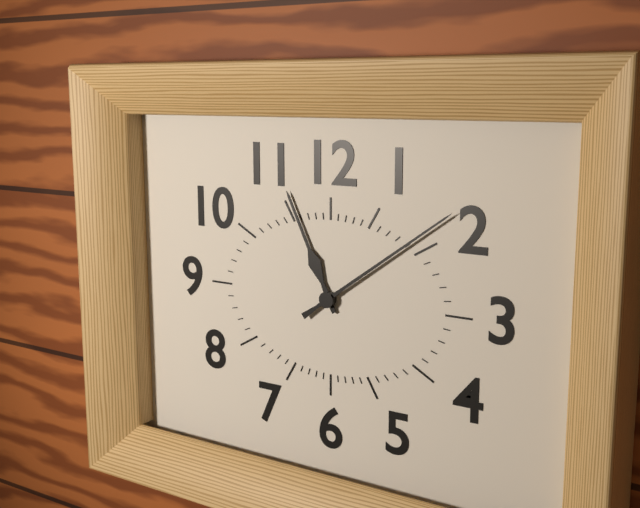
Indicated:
11.09
